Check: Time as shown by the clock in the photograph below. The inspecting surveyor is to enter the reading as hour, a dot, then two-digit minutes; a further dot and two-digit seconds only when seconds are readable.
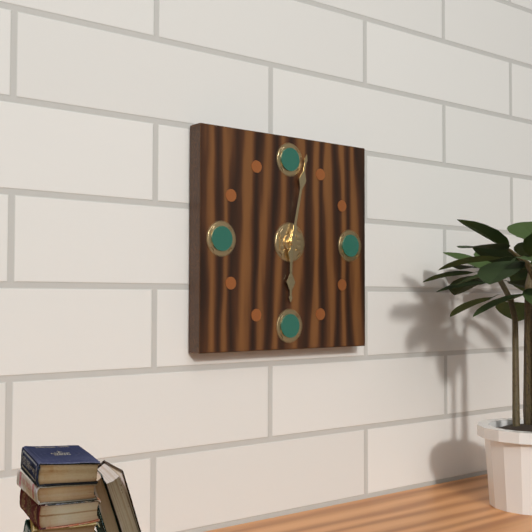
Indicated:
6.02
